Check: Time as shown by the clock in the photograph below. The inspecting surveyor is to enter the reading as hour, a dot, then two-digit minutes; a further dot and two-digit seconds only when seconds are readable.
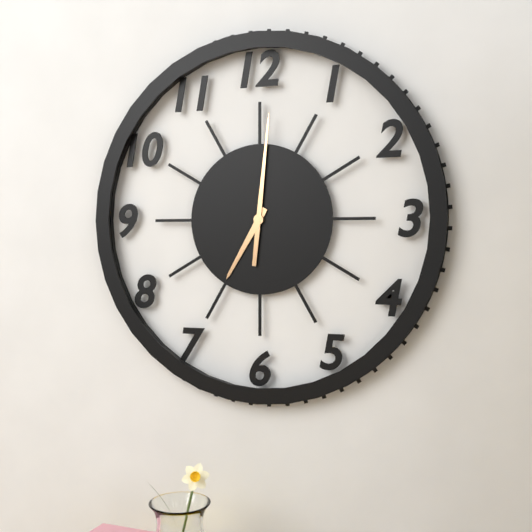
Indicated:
7.01
